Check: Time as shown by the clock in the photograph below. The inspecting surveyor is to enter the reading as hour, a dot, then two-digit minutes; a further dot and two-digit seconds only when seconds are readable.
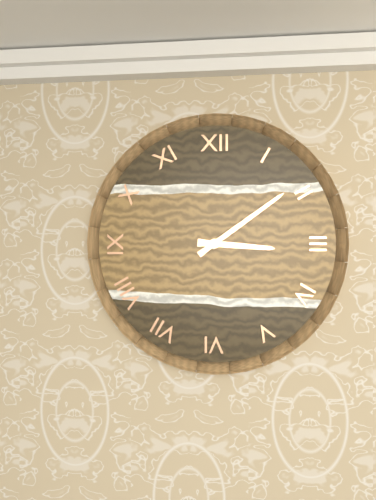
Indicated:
3.09
